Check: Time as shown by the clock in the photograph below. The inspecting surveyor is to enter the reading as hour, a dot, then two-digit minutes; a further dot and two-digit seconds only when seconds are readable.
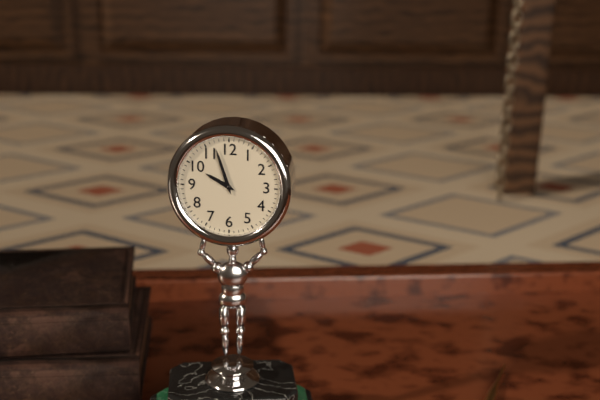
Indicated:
9.57
